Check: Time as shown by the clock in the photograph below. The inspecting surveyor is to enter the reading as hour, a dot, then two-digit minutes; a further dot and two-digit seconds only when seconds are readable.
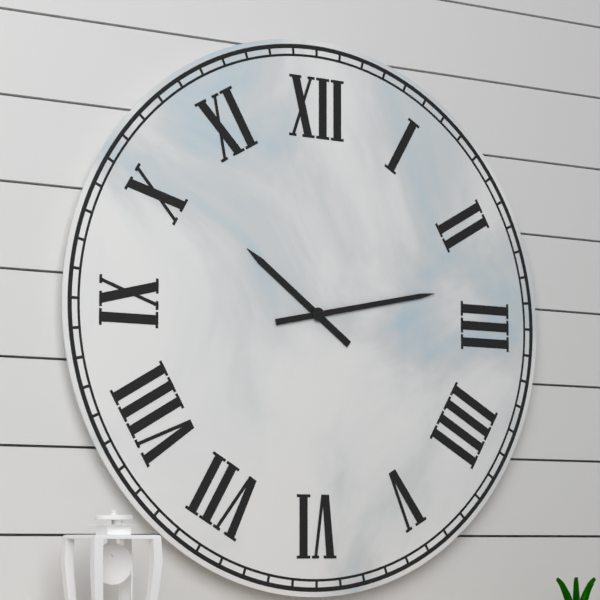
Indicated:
10.13
